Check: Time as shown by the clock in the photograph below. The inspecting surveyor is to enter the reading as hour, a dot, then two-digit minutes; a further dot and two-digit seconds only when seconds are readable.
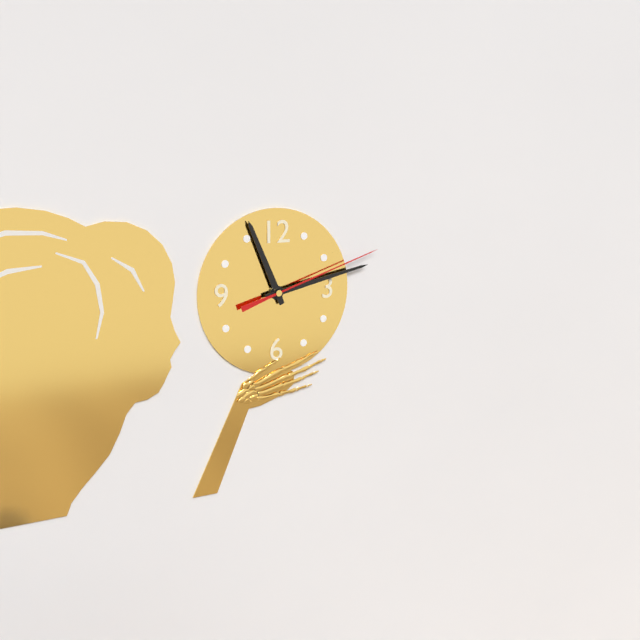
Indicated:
11.13.12
